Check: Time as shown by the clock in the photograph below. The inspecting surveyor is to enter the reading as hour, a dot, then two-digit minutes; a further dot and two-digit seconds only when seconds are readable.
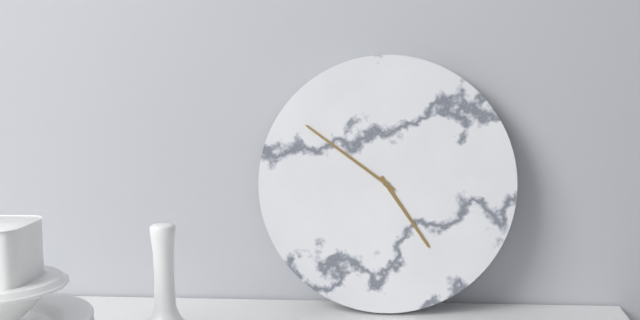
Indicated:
4.51
